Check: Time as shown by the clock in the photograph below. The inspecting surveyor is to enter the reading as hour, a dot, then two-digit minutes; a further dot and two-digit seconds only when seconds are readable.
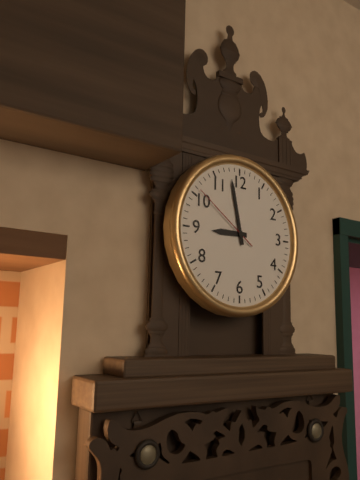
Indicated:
8.58.51
